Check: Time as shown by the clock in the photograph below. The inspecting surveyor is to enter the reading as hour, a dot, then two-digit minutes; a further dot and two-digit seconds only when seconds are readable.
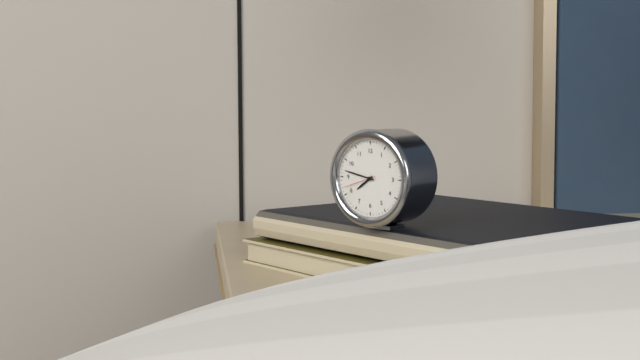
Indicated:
7.47
